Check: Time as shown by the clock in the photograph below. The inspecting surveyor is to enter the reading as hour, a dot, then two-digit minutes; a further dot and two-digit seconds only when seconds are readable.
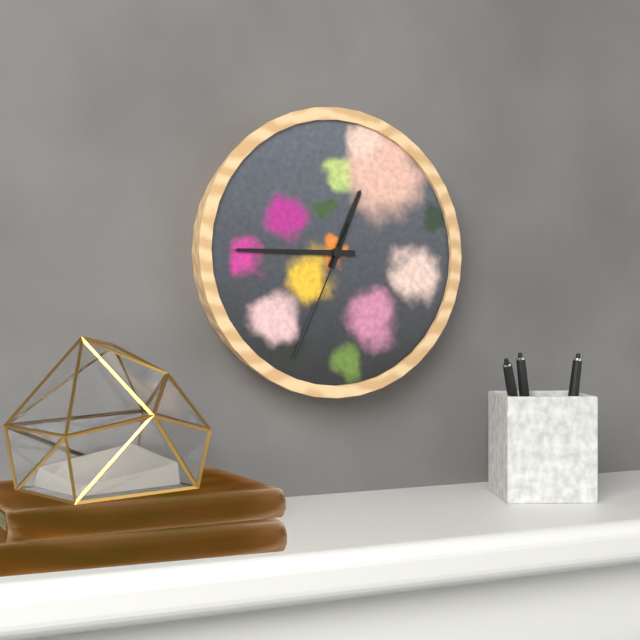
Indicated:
12.45.34
